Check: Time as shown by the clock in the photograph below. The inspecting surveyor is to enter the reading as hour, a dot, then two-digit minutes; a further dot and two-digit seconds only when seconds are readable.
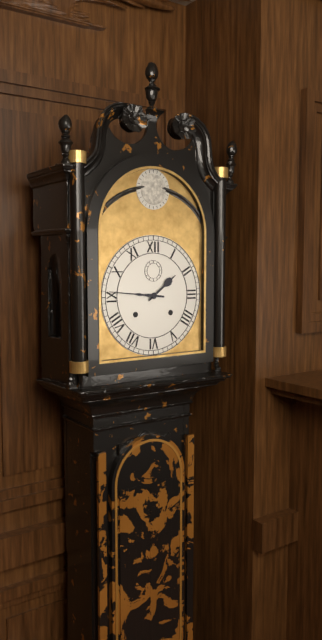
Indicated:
1.46
